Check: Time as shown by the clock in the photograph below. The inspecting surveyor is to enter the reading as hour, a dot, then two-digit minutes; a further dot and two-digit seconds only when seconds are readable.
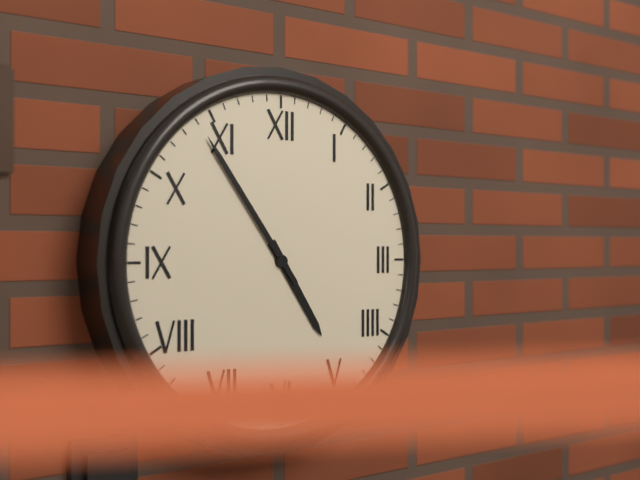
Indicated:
4.54
